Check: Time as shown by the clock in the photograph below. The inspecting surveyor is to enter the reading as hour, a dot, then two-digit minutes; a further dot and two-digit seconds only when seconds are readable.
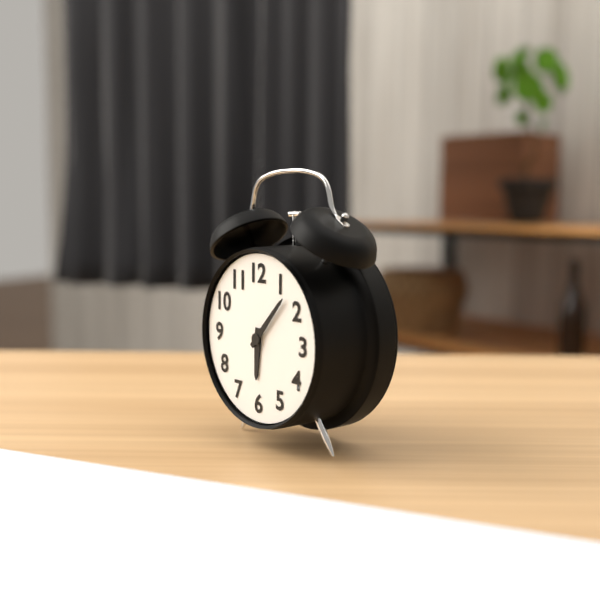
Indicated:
6.07
